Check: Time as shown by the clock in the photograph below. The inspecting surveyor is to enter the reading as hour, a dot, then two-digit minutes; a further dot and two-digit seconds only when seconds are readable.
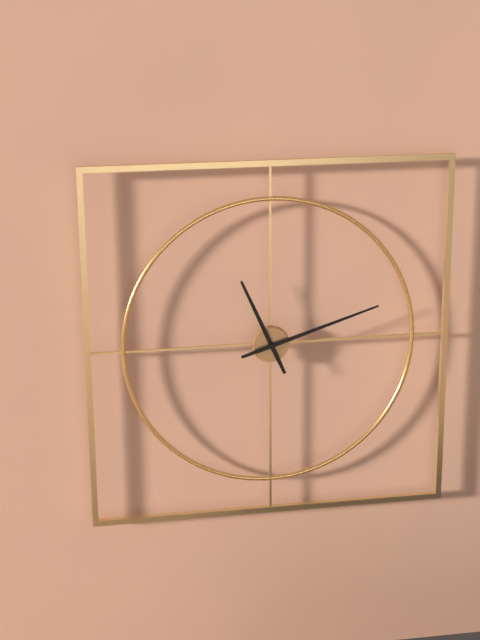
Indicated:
11.12
